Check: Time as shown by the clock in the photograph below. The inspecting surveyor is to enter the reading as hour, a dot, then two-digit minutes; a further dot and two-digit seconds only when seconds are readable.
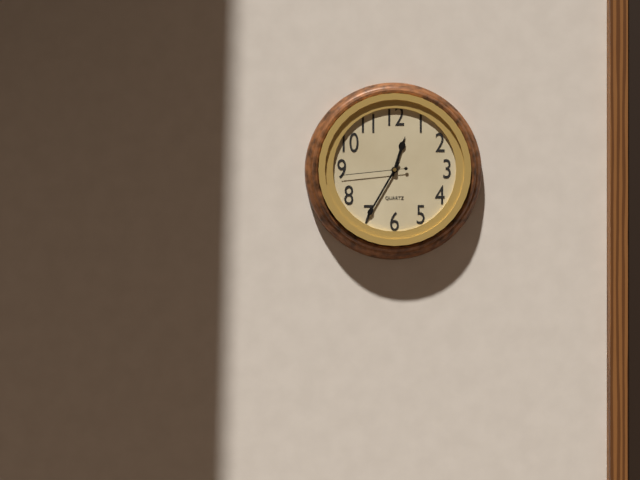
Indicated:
12.35.44
